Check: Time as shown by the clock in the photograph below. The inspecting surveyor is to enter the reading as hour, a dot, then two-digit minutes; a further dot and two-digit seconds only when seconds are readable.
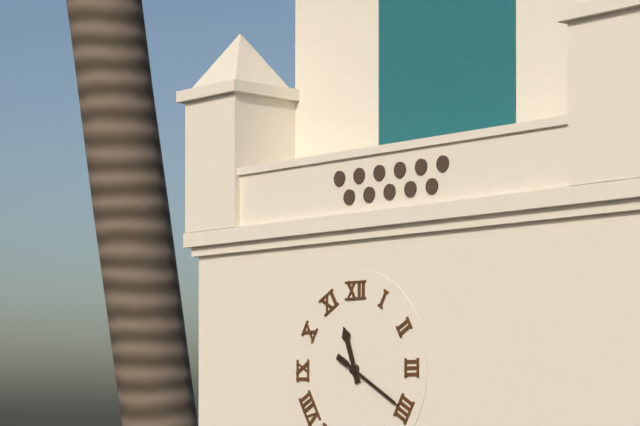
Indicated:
11.20
